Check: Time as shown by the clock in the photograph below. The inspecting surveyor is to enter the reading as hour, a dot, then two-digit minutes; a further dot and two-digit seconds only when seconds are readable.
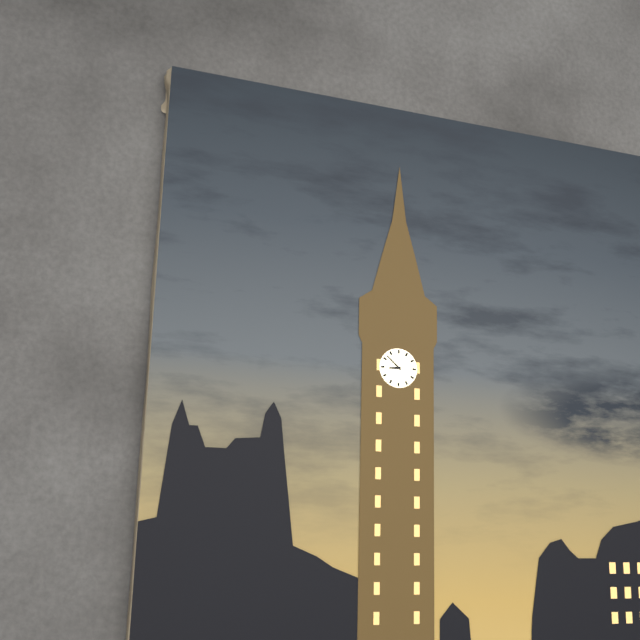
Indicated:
8.52
